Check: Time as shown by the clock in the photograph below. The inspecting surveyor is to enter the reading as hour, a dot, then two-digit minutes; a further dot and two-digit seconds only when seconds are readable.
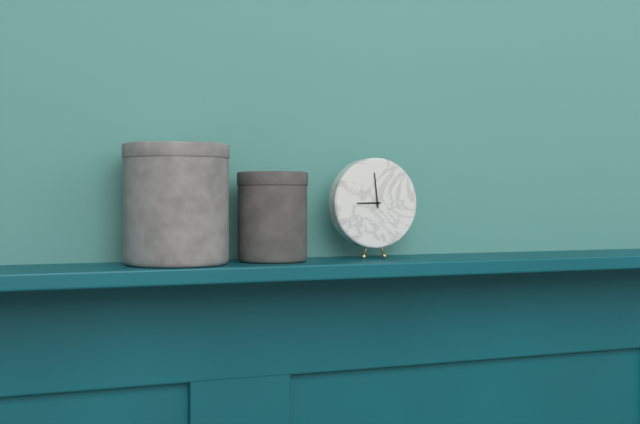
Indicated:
8.59
